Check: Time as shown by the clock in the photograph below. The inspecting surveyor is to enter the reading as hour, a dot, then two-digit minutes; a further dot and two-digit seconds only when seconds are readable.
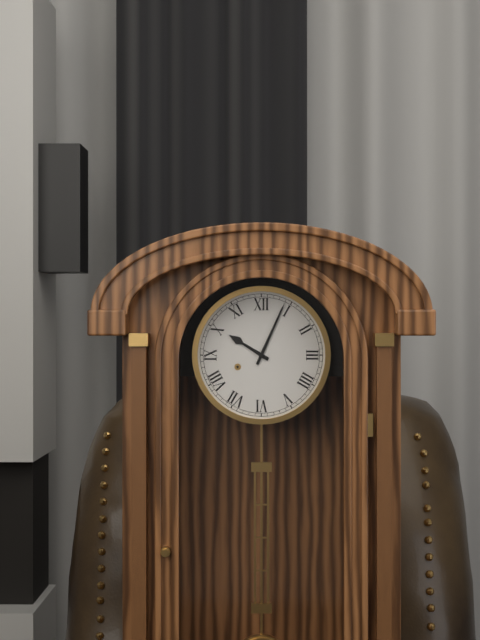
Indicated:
10.04
